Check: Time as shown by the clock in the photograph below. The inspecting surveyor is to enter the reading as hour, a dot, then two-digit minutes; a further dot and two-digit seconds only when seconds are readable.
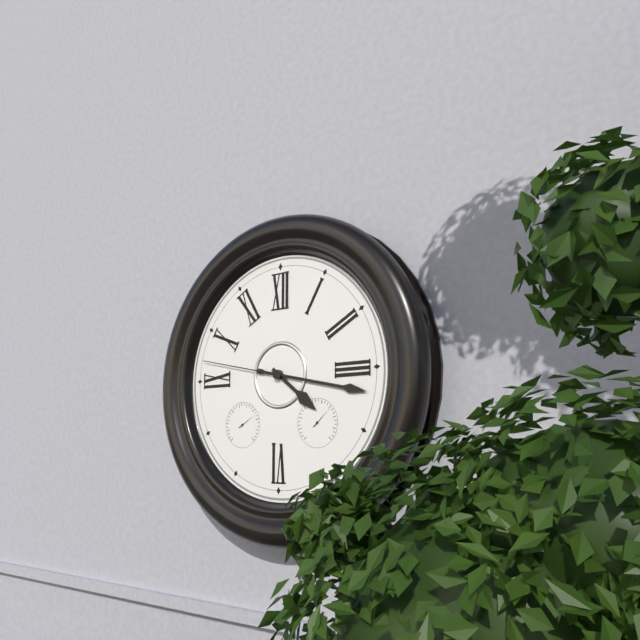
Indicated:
4.17.47
